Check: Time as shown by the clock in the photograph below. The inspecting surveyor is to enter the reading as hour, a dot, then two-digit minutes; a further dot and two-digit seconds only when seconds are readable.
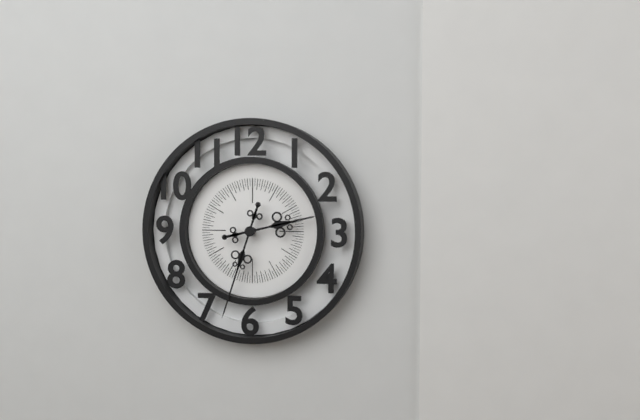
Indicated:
2.33
